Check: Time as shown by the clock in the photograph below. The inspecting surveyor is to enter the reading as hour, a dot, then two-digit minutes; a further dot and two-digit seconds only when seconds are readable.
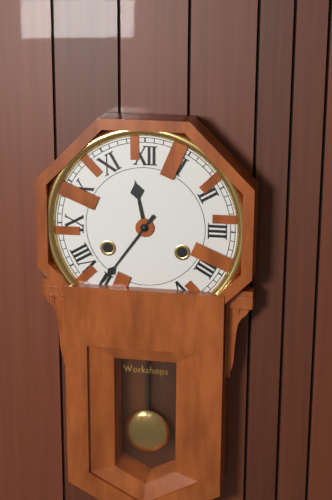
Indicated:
11.36
